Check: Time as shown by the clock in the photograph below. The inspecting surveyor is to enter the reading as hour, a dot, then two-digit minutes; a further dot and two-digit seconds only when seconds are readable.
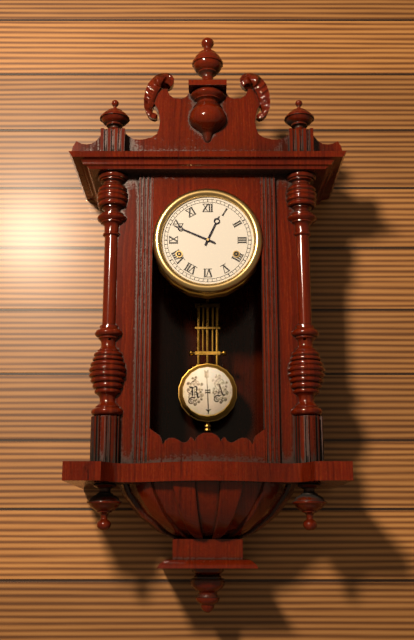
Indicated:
12.49
